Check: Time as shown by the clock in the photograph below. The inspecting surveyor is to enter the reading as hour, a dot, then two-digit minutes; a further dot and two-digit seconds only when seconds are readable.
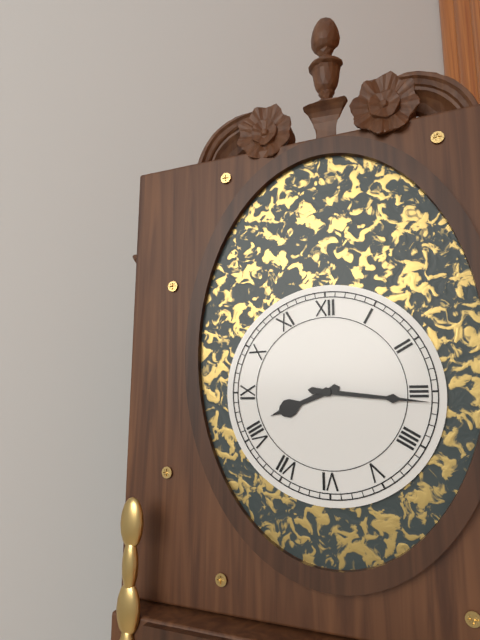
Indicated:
8.16
